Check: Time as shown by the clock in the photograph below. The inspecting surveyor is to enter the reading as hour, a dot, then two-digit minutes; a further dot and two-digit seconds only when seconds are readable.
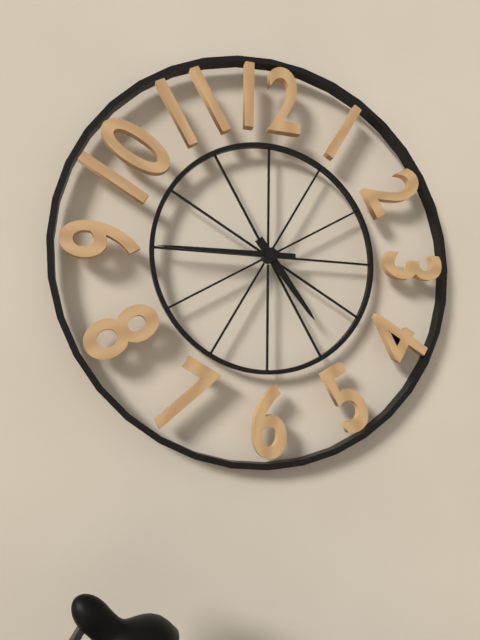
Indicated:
4.45
